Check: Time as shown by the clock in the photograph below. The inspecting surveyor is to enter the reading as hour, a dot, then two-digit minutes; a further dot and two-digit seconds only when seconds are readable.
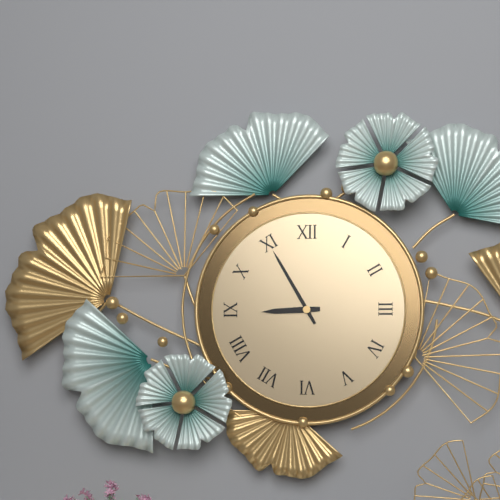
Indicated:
8.55
